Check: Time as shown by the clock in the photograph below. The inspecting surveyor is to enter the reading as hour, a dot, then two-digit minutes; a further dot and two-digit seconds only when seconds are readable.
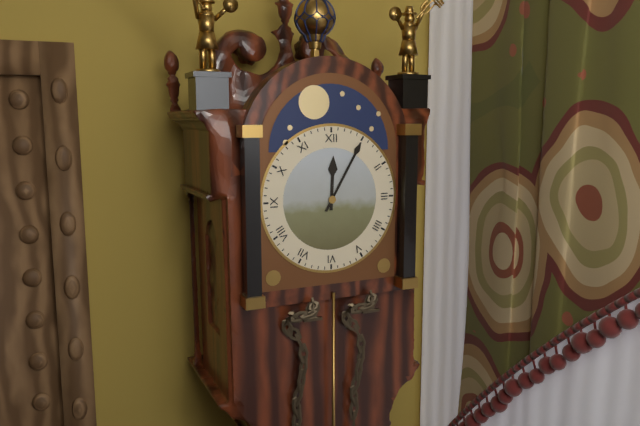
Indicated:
12.05
